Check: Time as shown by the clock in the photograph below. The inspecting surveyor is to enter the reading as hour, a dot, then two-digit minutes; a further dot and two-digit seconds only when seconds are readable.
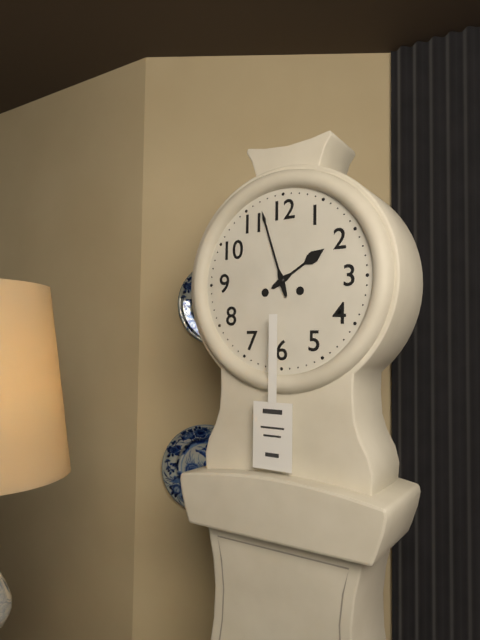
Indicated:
1.57
